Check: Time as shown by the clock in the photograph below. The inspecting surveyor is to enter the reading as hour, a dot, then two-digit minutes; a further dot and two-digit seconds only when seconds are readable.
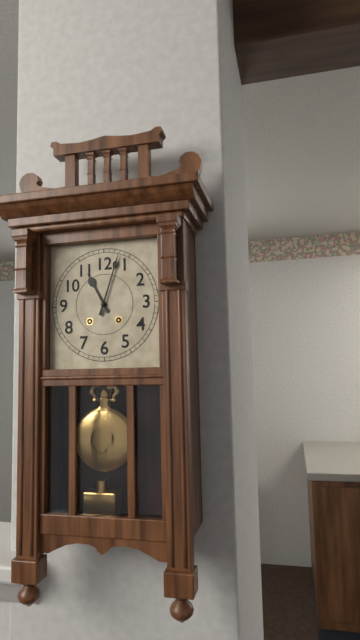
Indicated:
11.03
